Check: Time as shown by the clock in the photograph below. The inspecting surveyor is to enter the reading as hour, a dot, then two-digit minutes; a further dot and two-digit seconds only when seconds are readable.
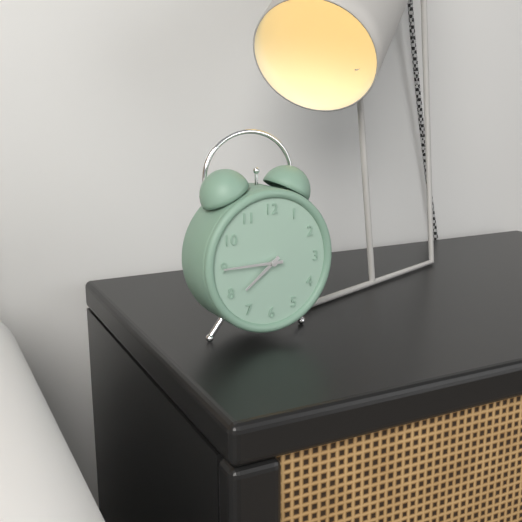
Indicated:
7.45
